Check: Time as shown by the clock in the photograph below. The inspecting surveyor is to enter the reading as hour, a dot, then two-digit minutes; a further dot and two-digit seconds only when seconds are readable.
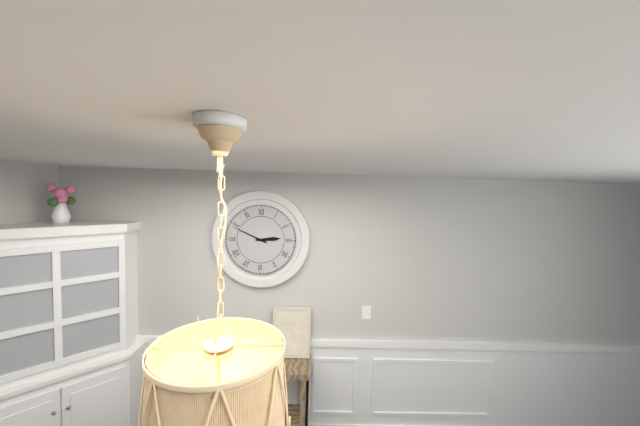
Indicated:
2.49
